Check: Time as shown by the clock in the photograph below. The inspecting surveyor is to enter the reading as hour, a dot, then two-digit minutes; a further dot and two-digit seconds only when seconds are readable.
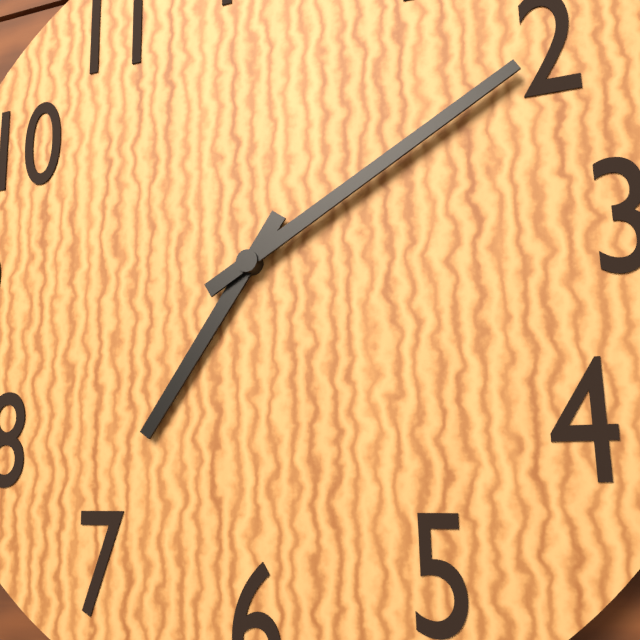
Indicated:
7.10
